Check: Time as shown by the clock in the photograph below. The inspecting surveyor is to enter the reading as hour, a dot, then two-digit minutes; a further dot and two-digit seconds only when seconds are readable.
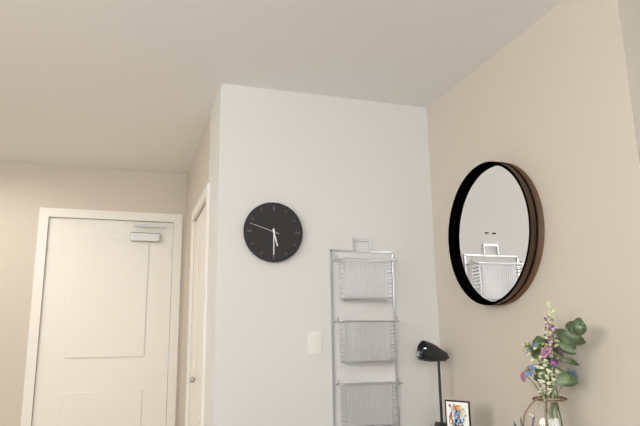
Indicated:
5.30
